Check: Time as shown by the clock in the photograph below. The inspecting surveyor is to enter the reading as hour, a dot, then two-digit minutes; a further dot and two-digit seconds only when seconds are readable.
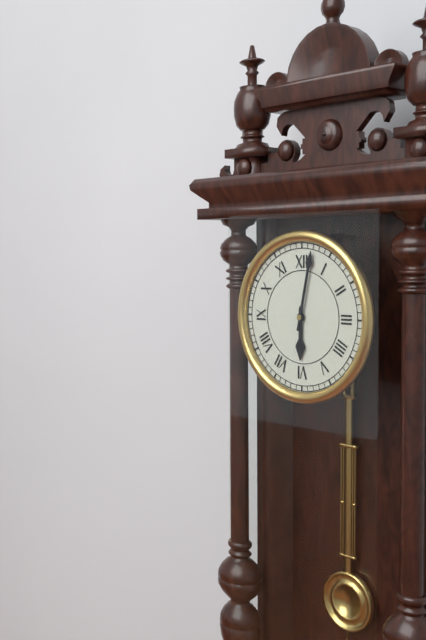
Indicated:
6.02
